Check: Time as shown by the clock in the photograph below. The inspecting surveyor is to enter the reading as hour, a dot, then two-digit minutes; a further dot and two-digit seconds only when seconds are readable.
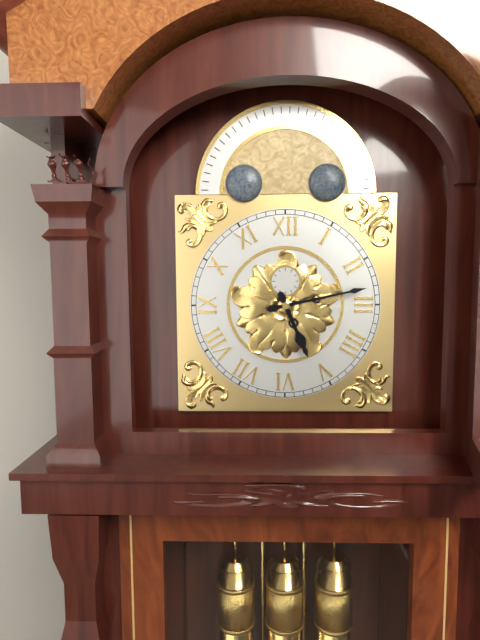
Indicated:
5.13
